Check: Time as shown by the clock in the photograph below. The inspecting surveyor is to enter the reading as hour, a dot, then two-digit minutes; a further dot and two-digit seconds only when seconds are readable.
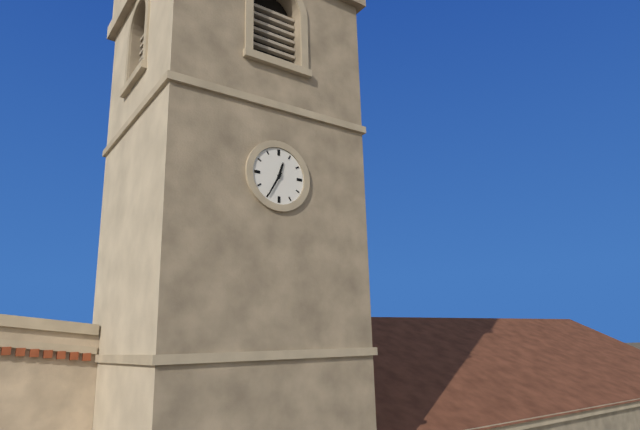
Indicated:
12.35
